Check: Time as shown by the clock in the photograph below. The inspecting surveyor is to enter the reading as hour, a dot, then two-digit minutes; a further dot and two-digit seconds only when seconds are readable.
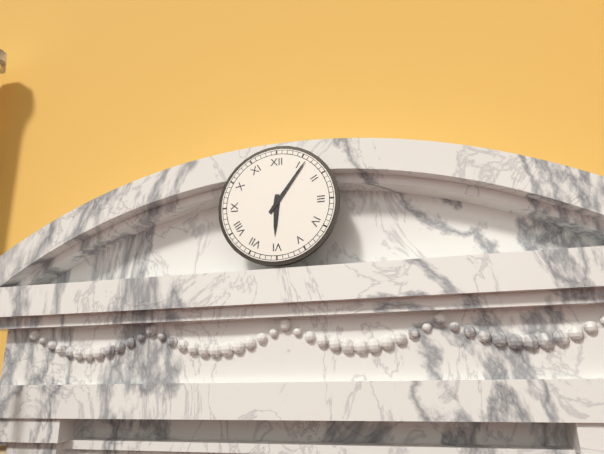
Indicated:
6.06
